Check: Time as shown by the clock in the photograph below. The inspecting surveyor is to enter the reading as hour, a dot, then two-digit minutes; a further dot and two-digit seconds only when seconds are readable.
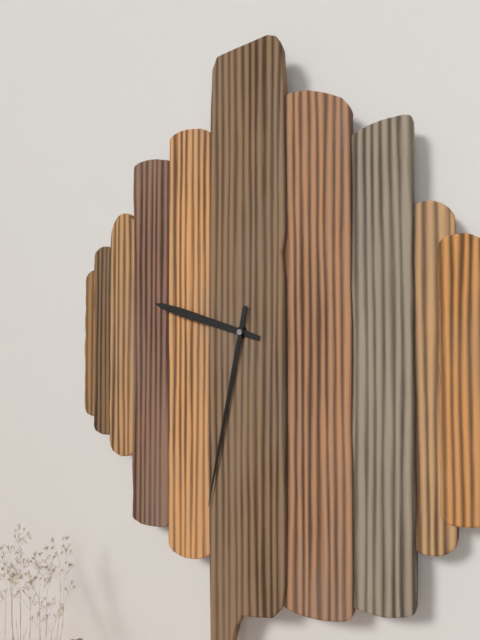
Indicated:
9.32
